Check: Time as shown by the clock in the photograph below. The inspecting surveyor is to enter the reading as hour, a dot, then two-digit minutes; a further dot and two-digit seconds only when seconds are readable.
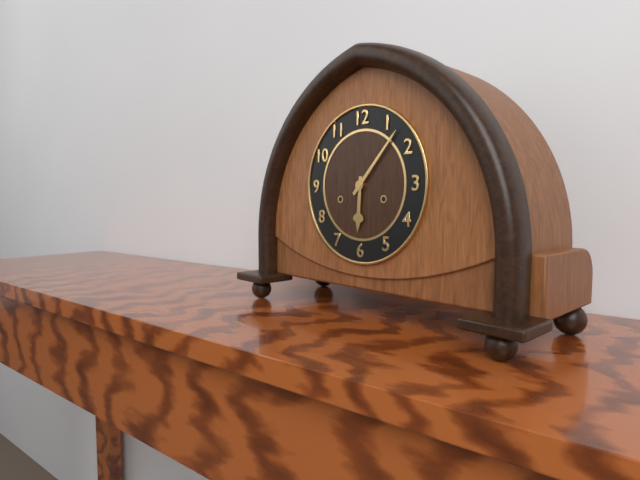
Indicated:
6.07
